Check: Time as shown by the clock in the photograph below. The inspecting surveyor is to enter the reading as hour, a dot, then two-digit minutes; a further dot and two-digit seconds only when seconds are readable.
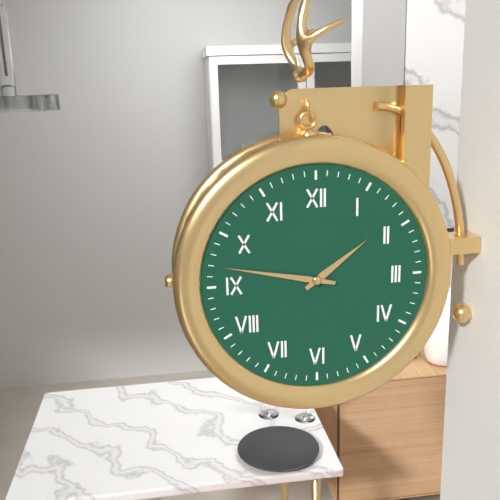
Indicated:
1.47
